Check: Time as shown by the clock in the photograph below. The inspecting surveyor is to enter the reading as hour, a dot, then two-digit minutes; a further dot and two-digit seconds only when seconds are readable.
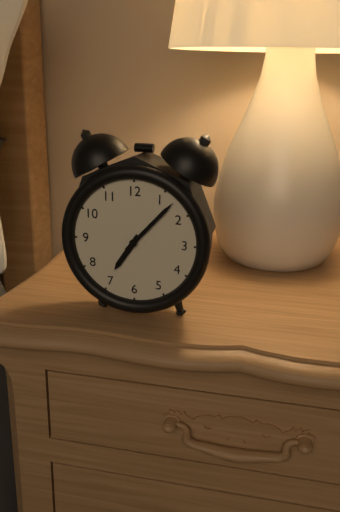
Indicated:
7.07
